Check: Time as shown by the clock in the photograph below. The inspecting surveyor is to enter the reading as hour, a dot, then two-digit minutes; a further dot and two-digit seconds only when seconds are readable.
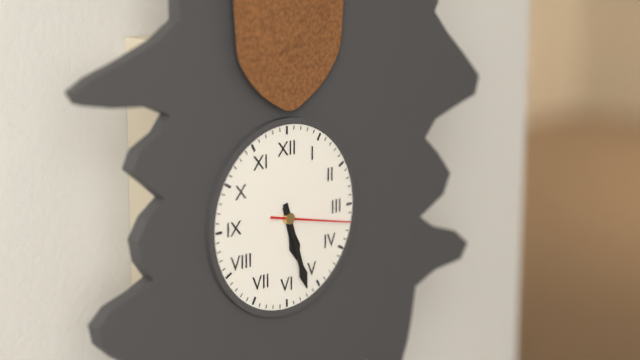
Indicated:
5.27.17
